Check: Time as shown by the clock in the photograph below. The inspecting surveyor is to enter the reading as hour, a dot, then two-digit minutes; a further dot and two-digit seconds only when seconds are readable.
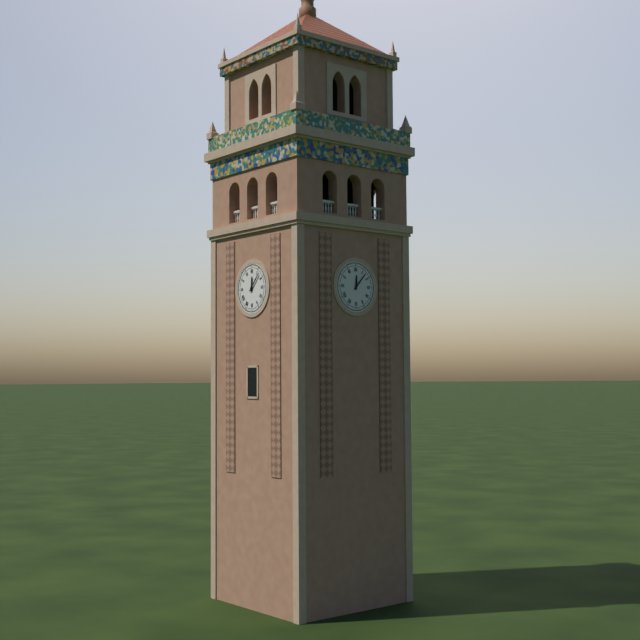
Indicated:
12.07
